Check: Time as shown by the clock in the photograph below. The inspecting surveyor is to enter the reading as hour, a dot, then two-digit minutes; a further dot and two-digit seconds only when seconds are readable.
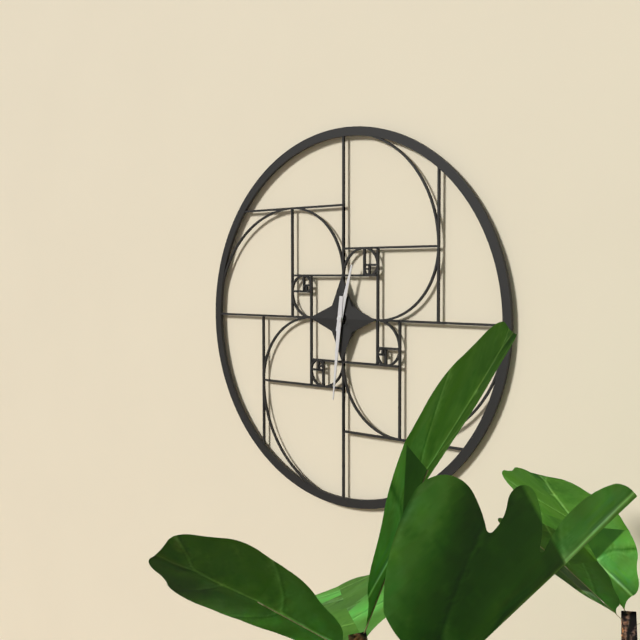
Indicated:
12.31
